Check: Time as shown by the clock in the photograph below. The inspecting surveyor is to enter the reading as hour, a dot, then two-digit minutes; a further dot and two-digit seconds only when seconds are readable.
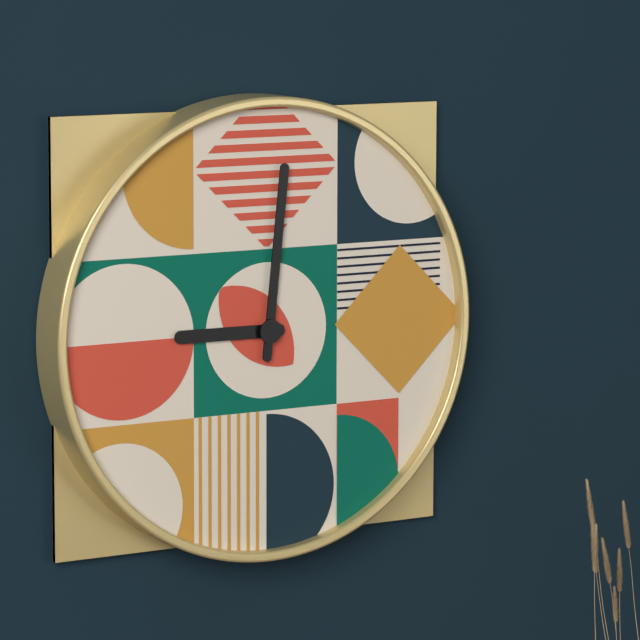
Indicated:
9.01
